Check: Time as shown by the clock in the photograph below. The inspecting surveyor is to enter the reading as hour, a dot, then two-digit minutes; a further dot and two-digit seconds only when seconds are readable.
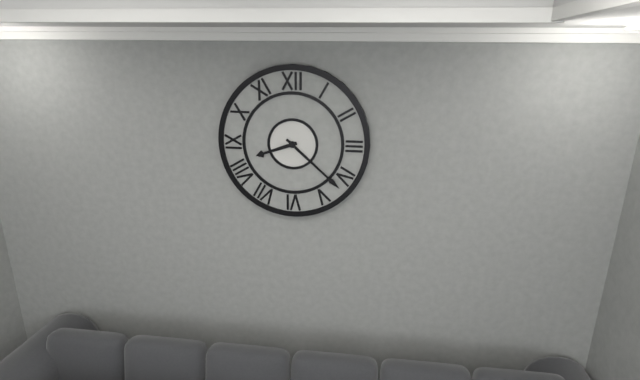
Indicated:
8.22
